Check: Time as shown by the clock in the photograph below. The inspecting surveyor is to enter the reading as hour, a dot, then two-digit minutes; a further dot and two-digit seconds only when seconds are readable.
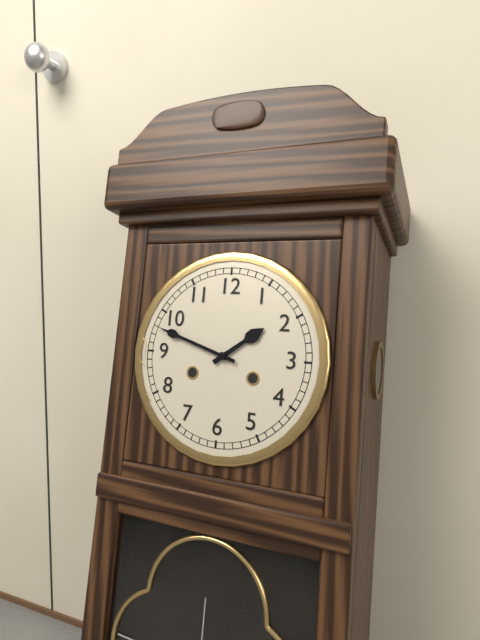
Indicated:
1.48
